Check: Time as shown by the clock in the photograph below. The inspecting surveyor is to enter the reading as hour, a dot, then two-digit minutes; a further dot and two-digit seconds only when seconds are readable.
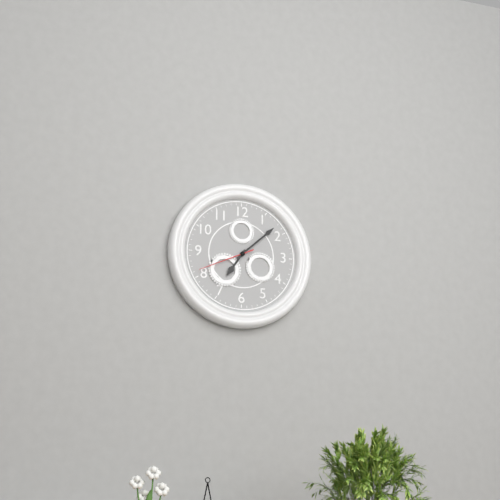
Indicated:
7.08.41
